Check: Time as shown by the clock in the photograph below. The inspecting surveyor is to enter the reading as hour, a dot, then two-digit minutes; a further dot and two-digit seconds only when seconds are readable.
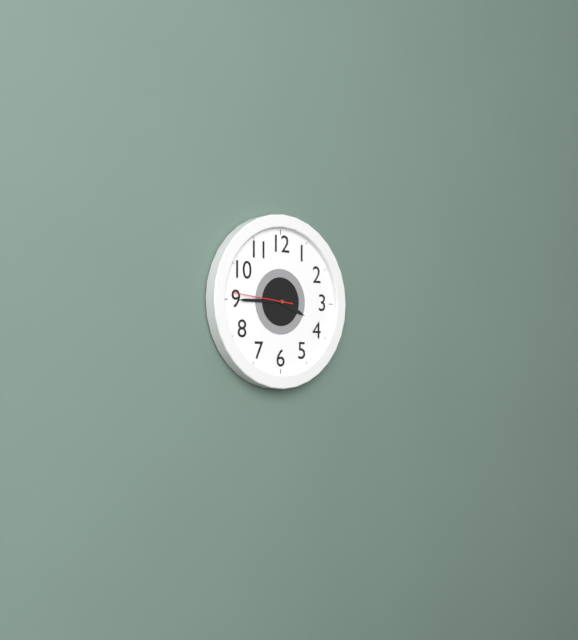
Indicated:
3.45.46
